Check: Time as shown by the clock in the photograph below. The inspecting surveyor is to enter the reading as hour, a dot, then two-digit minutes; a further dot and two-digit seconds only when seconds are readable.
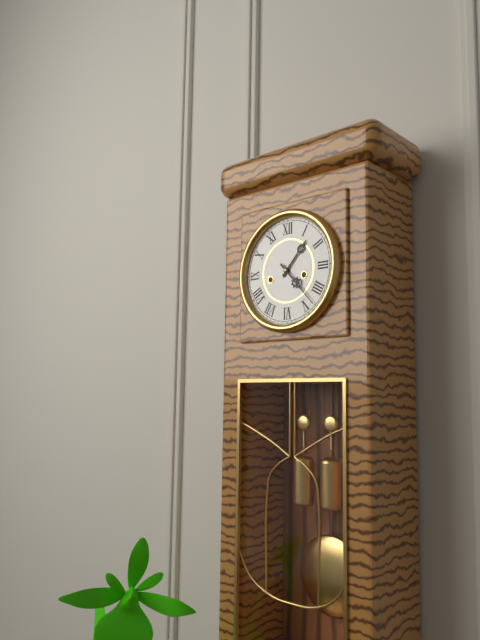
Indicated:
1.23
